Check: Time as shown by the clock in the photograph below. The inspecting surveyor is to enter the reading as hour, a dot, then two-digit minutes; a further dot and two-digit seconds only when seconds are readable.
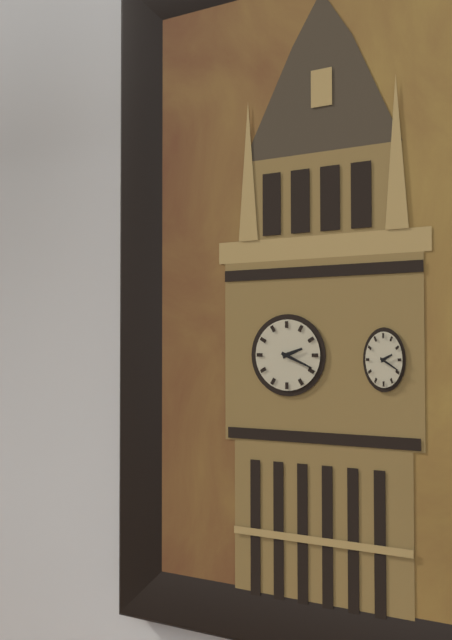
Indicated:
2.19
